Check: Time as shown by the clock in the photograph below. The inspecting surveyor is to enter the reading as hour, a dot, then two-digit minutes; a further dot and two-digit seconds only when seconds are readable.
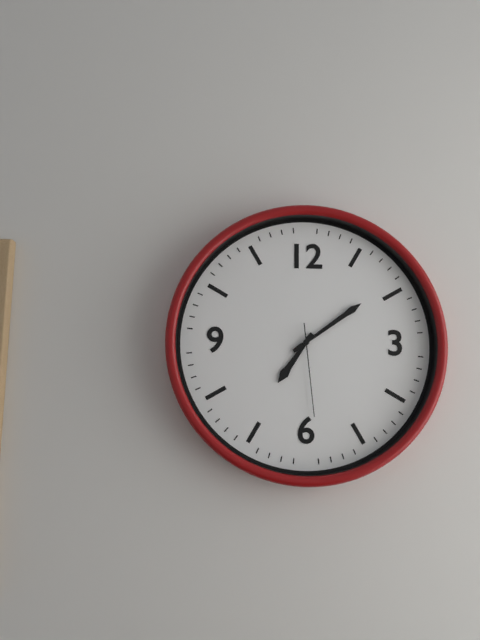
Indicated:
7.09.29
